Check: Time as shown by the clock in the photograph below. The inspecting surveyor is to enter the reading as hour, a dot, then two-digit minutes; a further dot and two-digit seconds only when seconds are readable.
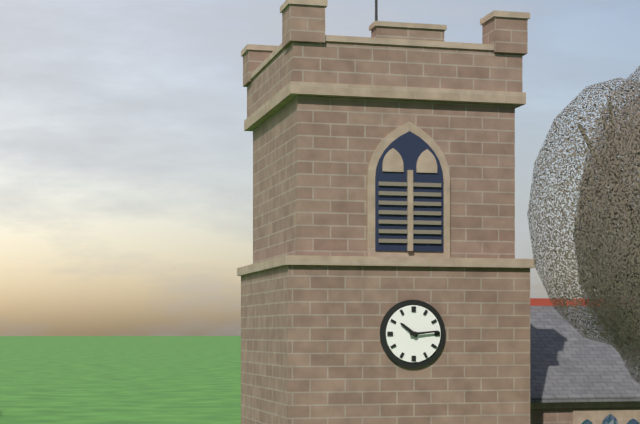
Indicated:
10.14
